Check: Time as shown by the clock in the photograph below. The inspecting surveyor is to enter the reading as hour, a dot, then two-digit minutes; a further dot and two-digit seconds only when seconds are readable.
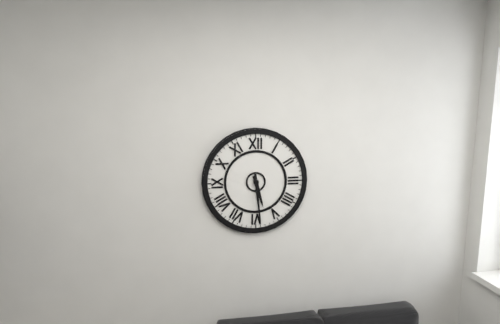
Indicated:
5.29
